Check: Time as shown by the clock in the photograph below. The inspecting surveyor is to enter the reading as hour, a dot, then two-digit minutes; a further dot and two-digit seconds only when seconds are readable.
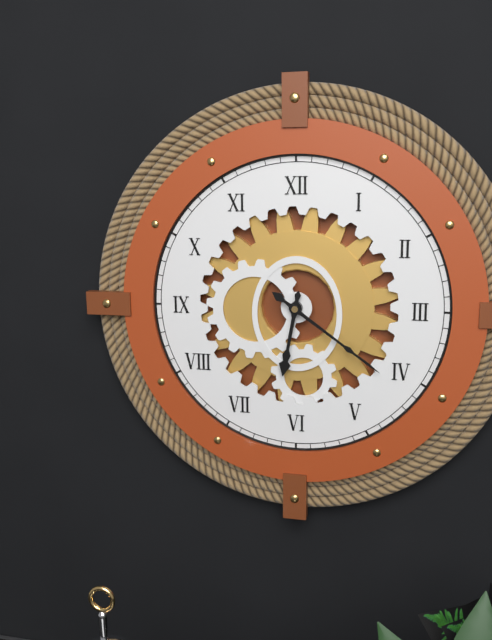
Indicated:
6.21
